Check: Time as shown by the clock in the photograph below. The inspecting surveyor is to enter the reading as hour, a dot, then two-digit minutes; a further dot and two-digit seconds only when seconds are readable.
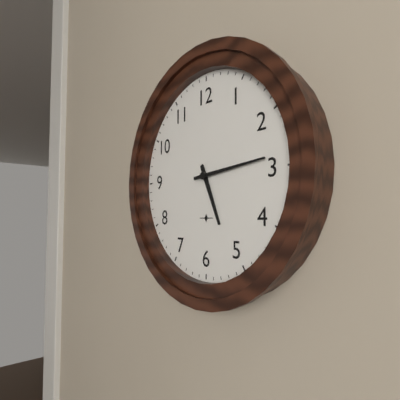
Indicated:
5.14
